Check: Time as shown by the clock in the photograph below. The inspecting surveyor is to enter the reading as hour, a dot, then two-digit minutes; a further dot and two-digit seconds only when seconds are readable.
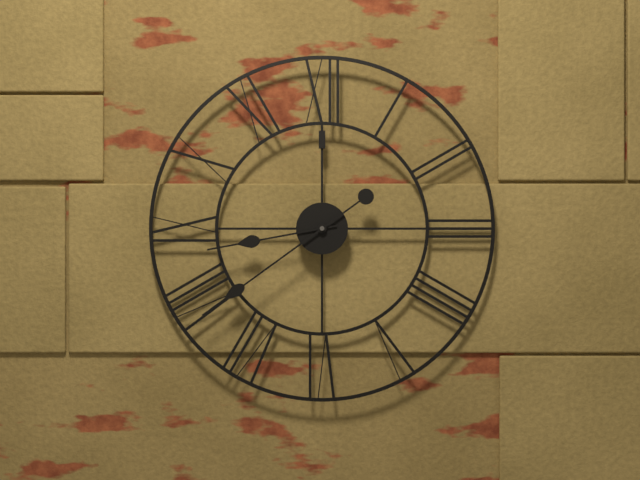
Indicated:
8.39
